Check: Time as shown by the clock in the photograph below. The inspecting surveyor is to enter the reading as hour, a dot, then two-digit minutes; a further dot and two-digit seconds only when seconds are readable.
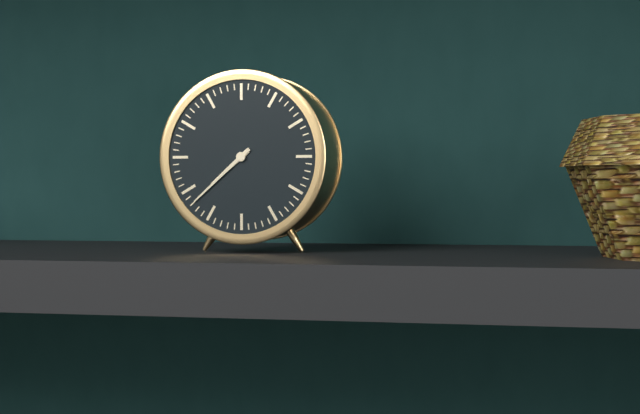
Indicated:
7.38
